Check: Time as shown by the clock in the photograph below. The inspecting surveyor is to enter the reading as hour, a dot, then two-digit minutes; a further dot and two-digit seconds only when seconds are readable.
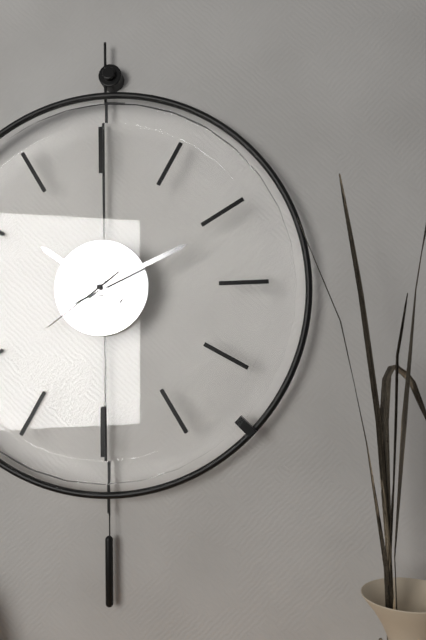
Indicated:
10.11.39
